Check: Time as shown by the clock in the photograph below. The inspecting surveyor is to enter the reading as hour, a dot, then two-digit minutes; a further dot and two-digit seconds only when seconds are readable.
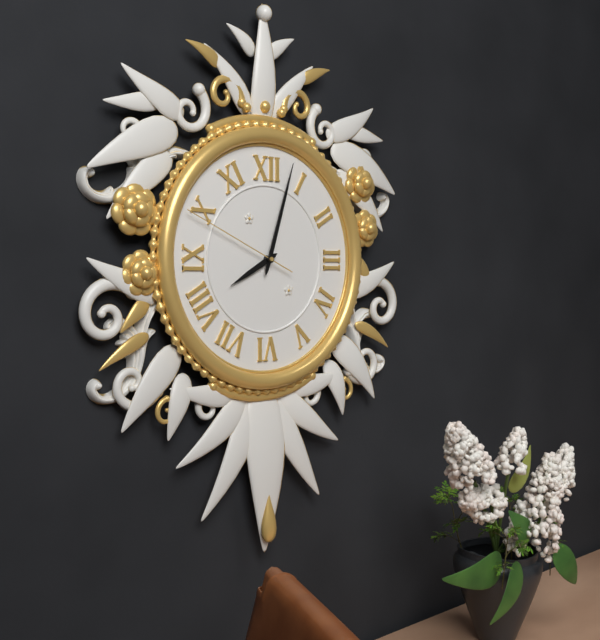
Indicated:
8.03.49
